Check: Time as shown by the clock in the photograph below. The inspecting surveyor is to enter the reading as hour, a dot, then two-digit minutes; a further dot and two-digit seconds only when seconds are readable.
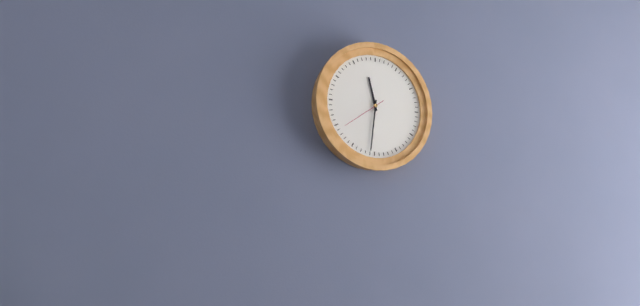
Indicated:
11.31
